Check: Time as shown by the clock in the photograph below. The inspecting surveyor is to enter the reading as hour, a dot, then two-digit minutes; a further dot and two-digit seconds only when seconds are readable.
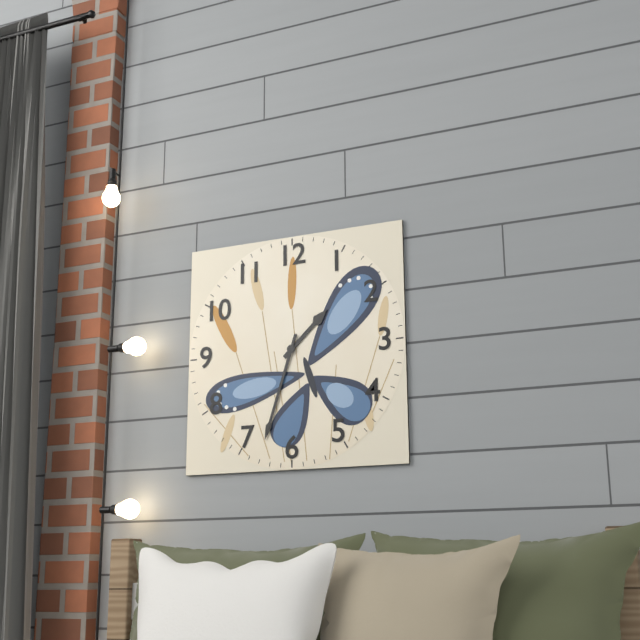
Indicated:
1.33
